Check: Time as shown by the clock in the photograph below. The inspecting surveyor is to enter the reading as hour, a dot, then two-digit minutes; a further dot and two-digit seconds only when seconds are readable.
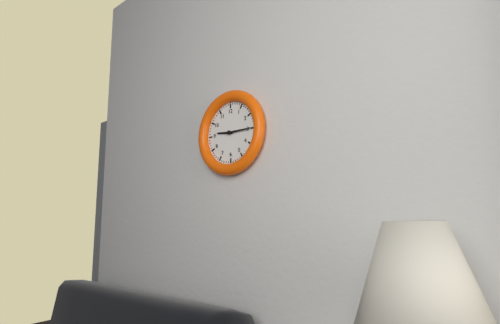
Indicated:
9.15
